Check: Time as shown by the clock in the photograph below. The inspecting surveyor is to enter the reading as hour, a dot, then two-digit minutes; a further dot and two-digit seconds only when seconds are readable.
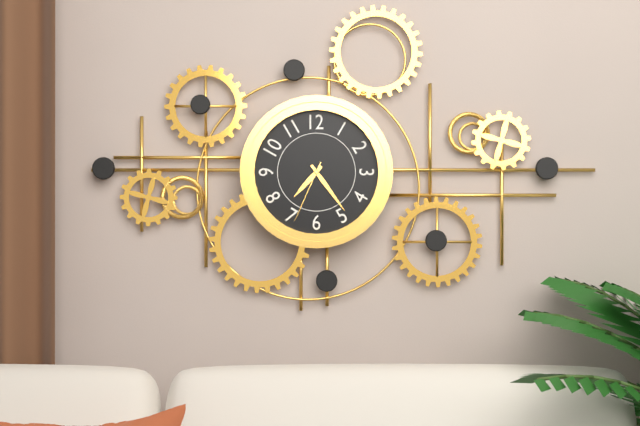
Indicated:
7.24.34
